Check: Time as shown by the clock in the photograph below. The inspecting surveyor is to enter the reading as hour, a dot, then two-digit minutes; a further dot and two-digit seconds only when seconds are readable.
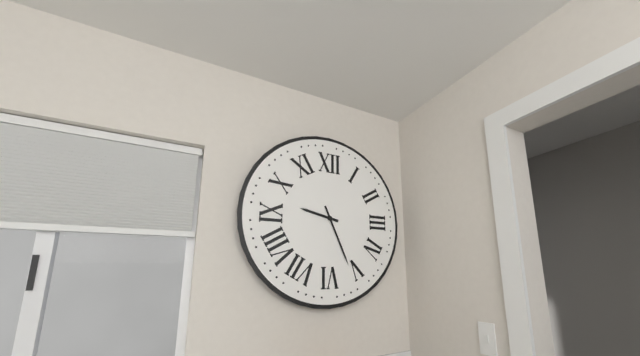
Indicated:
9.26
